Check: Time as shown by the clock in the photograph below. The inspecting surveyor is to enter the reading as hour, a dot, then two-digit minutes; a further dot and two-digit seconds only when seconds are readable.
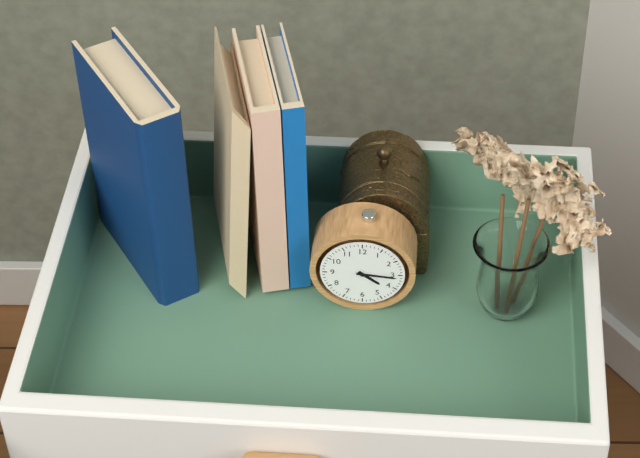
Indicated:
4.16
